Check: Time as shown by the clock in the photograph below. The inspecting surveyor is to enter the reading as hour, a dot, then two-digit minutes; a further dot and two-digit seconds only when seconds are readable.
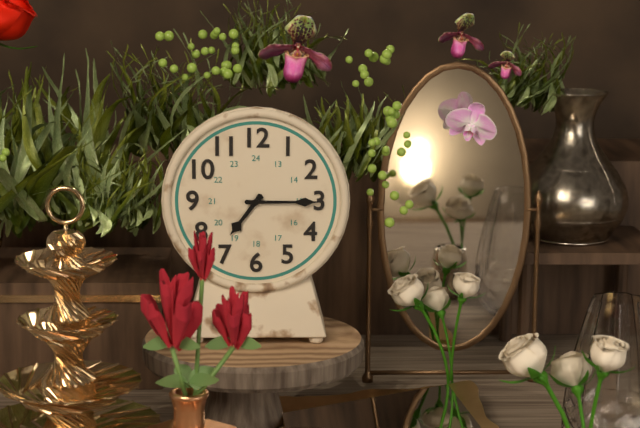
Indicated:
7.15
